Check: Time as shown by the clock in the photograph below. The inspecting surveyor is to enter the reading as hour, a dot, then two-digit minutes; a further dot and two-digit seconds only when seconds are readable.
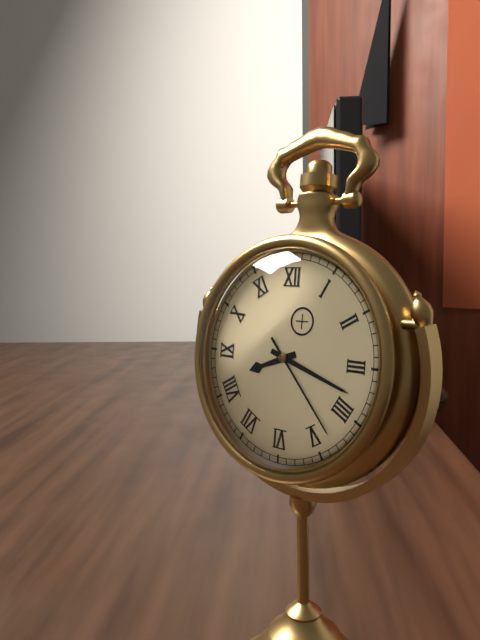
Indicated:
8.18.23
